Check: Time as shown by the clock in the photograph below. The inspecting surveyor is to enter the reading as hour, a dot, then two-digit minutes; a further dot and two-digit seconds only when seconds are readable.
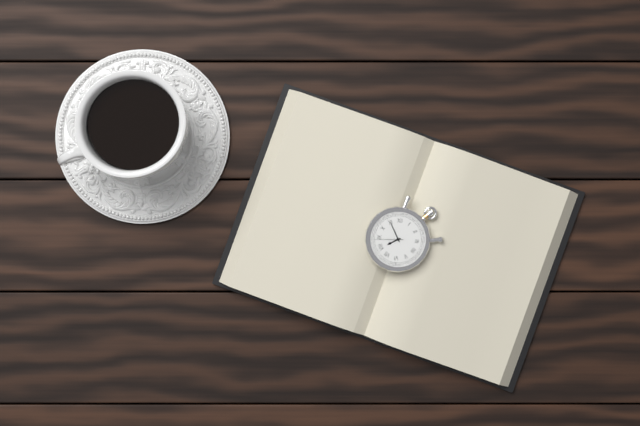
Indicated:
7.55
